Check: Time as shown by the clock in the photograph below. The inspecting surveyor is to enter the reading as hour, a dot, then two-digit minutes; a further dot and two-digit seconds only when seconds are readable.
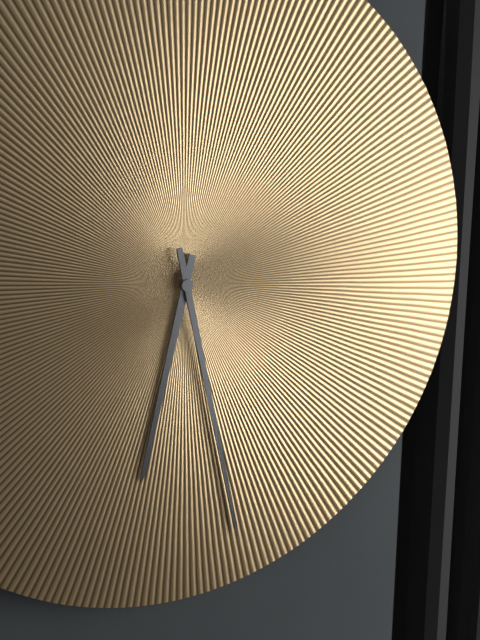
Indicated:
6.28
